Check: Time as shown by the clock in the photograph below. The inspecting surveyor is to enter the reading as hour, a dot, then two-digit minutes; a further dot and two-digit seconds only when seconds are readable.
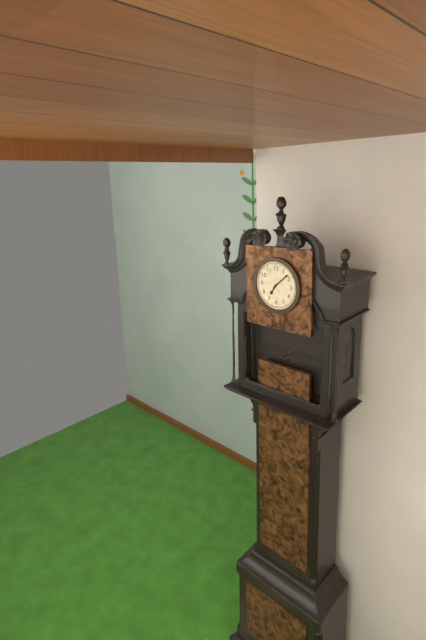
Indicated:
7.08
